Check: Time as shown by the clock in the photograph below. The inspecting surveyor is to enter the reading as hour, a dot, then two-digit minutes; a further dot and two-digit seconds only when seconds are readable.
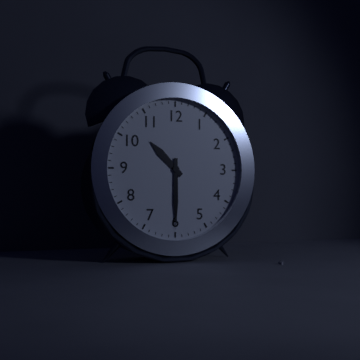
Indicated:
10.30
